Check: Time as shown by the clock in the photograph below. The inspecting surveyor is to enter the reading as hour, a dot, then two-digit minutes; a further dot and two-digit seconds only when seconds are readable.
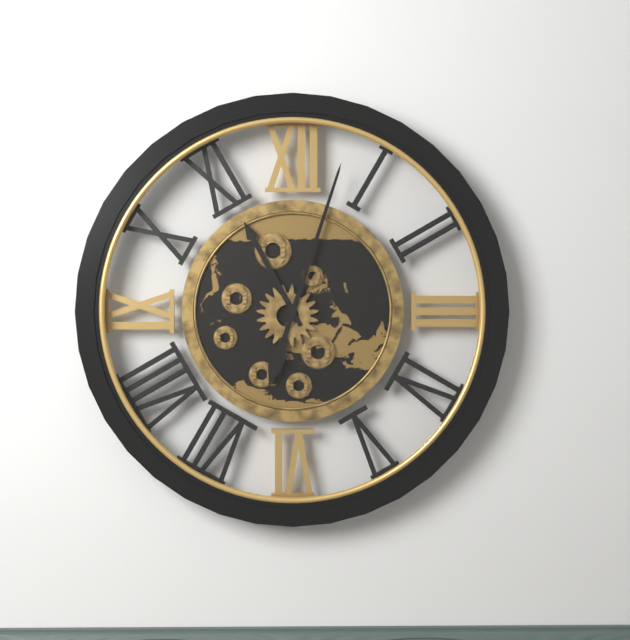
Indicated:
11.03
